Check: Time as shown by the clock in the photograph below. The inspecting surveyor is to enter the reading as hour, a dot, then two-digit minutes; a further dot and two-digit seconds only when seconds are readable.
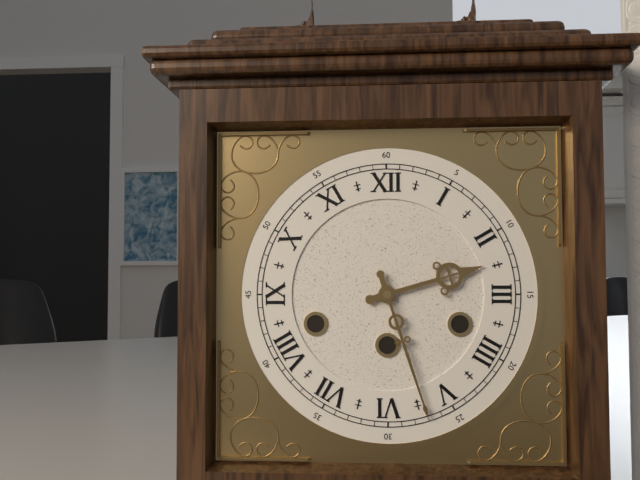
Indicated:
2.27
